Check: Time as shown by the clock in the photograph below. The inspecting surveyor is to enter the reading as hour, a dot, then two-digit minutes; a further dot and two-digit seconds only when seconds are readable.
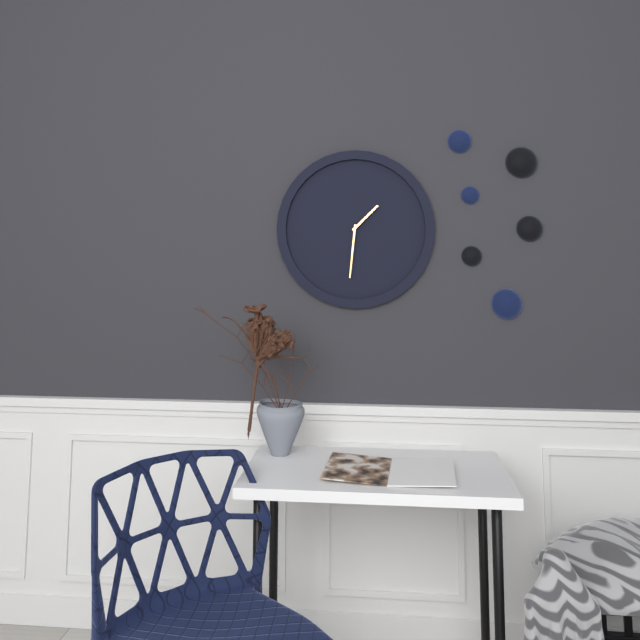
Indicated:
1.31
